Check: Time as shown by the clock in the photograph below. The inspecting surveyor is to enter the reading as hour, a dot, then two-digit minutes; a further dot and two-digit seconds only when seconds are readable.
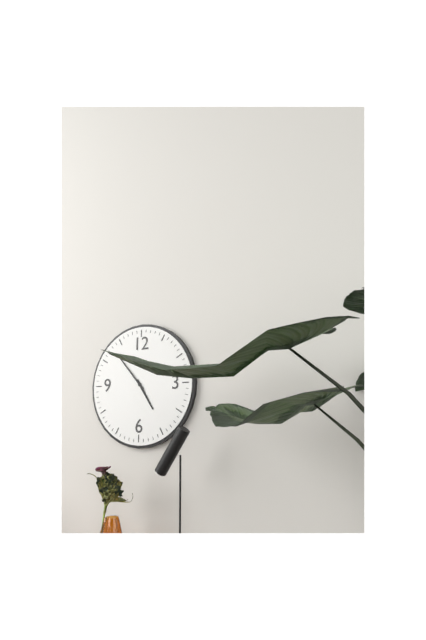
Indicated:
4.53
